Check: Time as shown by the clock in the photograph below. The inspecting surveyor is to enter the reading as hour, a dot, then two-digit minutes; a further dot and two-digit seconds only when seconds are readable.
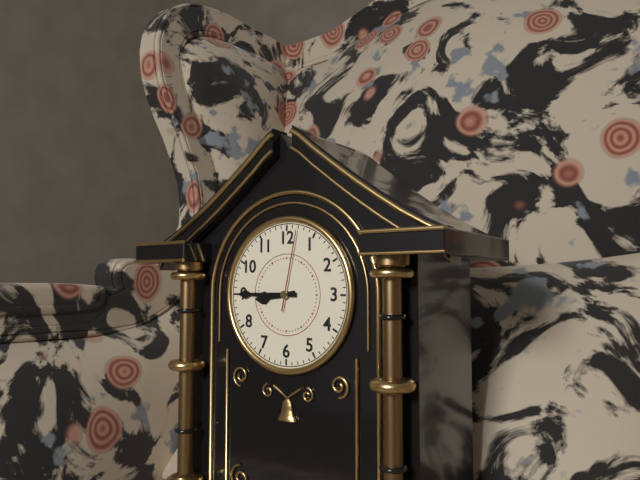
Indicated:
8.45.02
